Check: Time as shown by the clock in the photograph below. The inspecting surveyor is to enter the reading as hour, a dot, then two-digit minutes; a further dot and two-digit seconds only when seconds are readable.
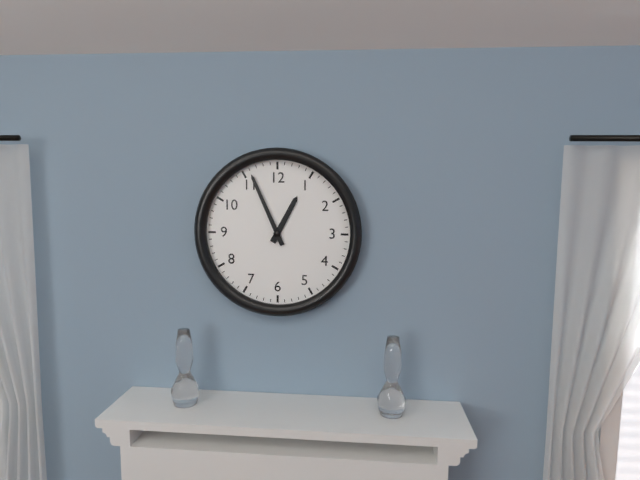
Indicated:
12.56
